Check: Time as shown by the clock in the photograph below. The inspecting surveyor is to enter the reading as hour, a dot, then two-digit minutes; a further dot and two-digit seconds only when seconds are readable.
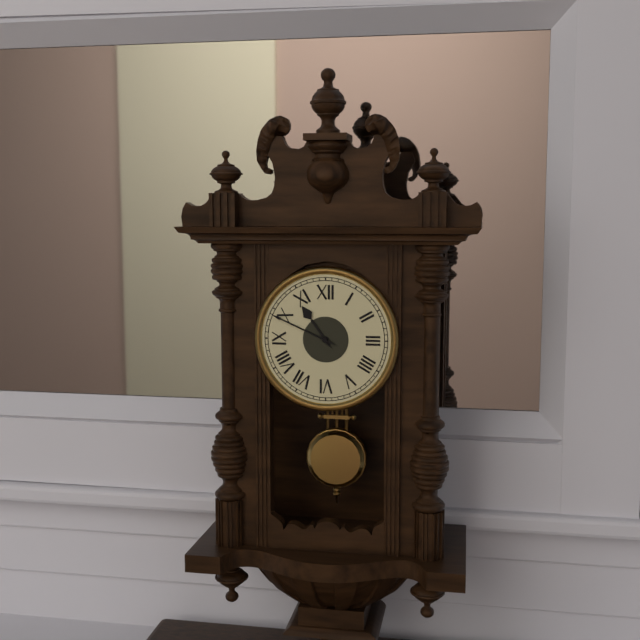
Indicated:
10.49
